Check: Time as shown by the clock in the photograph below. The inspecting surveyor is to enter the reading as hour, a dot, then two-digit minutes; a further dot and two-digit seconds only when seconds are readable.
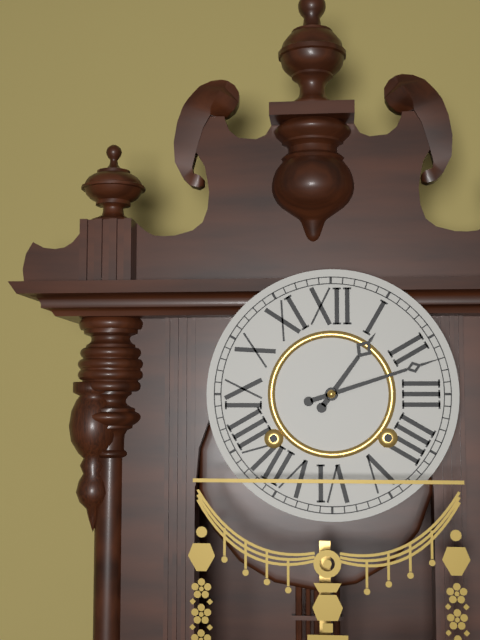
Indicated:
1.12
